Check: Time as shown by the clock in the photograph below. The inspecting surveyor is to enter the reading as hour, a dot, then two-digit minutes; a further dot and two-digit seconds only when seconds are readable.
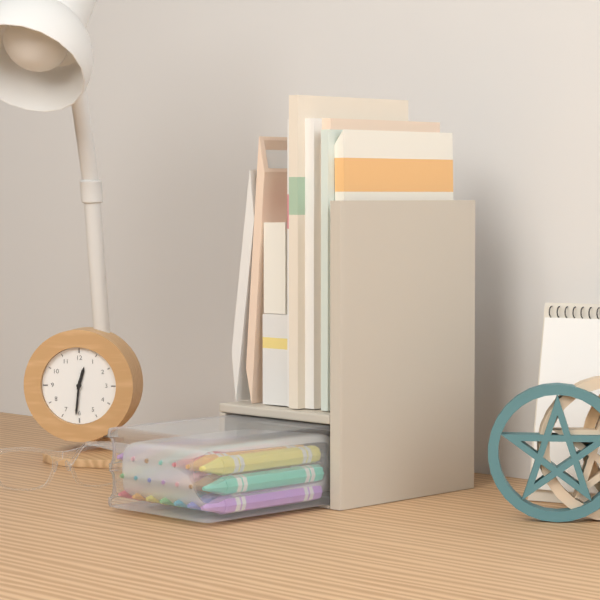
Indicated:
12.31
